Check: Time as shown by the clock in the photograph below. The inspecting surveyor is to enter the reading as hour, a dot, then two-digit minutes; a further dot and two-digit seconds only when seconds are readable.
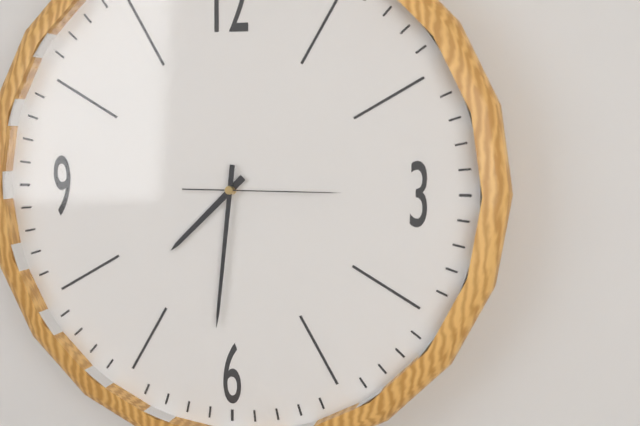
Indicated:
7.31.15
